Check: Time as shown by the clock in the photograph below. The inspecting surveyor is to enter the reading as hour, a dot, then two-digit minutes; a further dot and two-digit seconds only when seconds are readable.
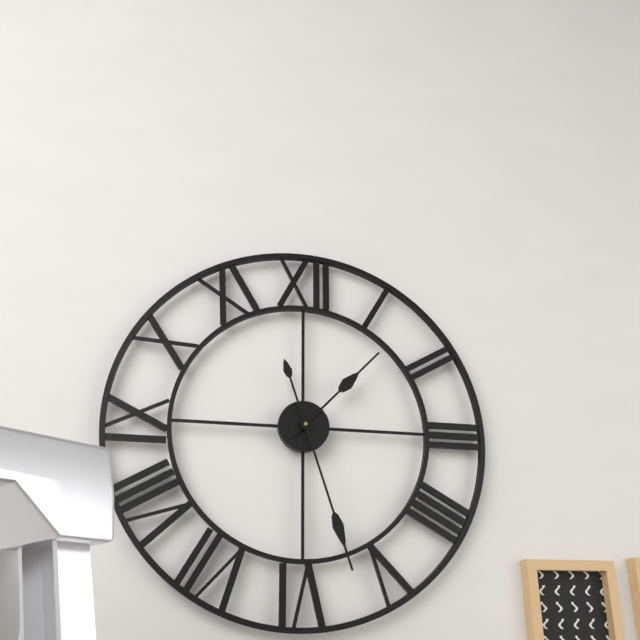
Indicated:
1.27
